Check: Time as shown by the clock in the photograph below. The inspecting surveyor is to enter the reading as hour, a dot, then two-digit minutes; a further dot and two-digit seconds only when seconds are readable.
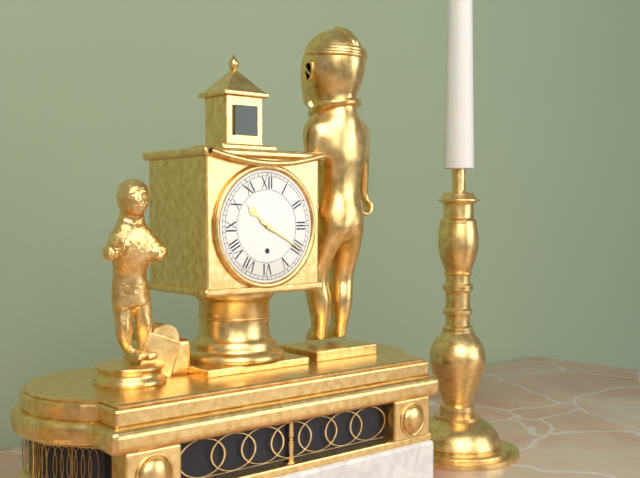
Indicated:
10.20
